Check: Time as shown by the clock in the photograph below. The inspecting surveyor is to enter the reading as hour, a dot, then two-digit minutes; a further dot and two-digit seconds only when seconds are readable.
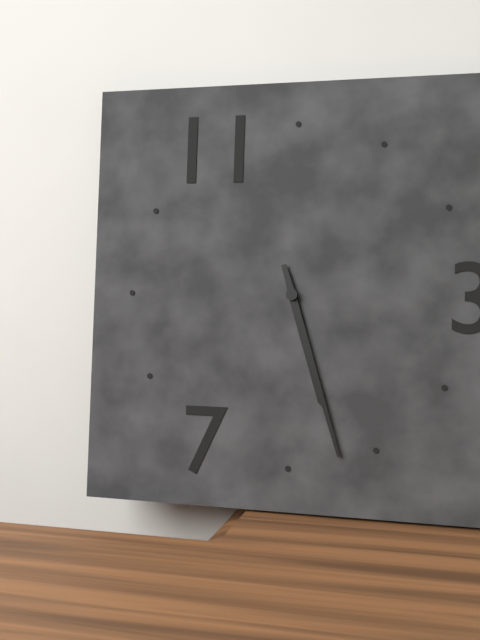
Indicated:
5.27
